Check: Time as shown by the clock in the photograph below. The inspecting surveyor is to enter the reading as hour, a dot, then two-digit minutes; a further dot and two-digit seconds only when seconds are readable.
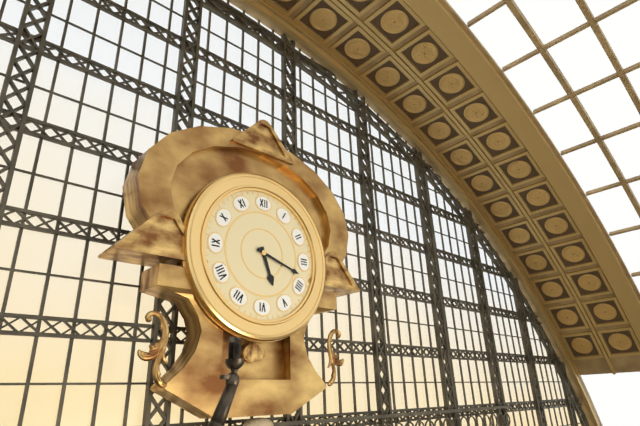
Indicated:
5.18
